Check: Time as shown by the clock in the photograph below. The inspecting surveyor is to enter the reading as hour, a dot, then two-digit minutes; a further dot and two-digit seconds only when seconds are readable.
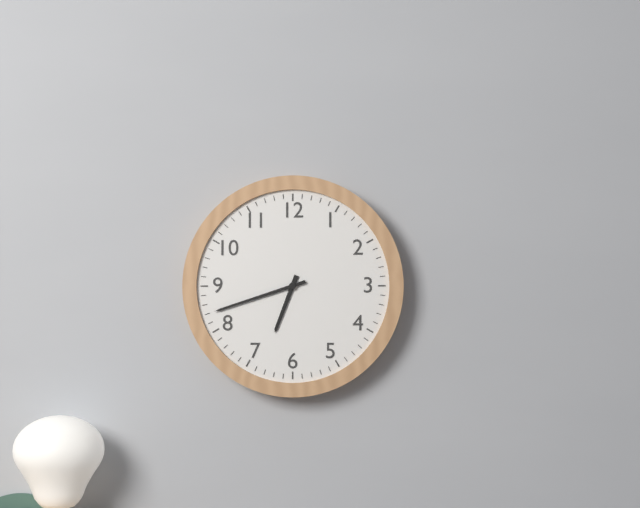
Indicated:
6.42
